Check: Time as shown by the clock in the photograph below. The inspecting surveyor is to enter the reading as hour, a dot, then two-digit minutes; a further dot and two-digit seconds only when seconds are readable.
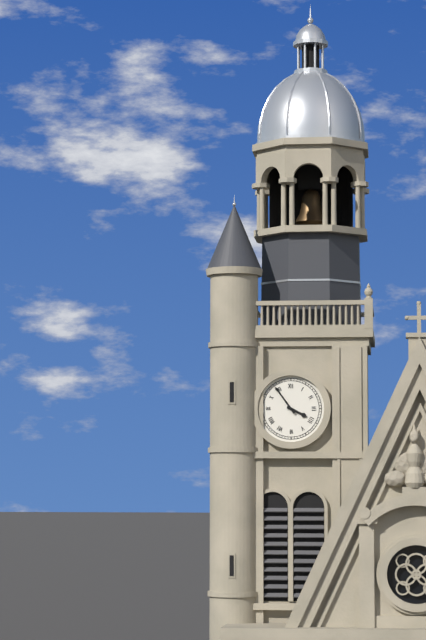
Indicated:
3.54
